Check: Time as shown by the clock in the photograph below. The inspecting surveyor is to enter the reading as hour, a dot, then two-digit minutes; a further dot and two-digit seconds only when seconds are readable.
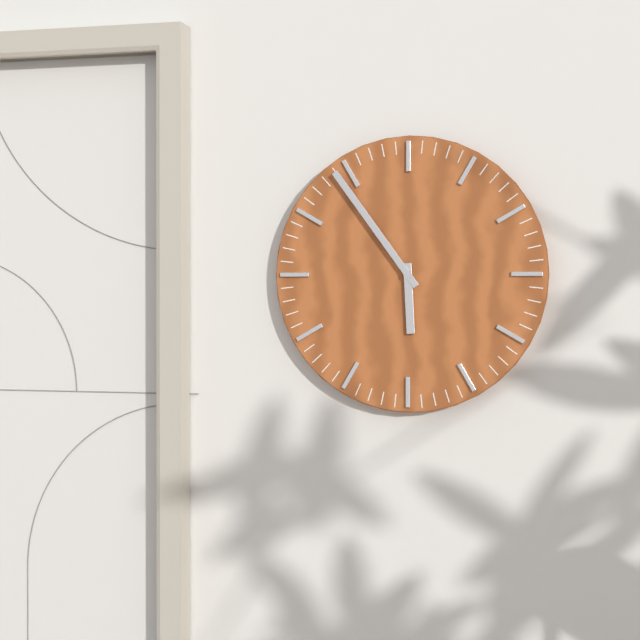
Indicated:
5.54
